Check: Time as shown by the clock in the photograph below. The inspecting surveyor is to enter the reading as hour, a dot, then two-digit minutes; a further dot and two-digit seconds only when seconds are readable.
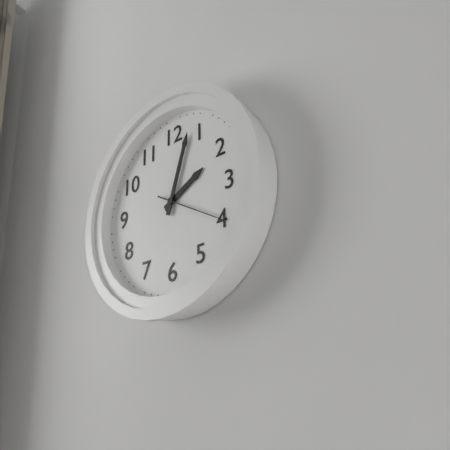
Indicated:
2.03
